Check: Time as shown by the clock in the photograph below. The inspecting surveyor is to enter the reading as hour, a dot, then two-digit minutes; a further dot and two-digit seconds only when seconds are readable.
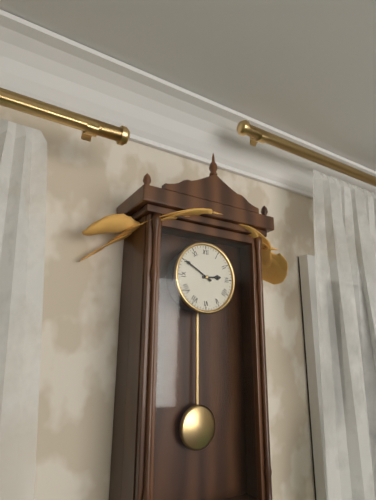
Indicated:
2.50
